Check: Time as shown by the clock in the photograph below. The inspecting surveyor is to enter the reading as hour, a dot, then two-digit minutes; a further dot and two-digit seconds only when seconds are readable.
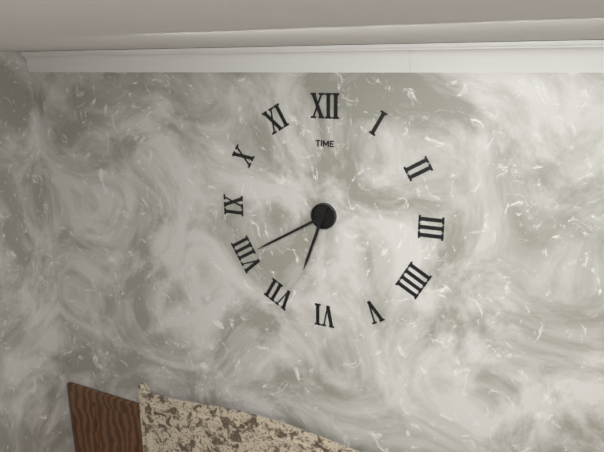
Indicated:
6.40
